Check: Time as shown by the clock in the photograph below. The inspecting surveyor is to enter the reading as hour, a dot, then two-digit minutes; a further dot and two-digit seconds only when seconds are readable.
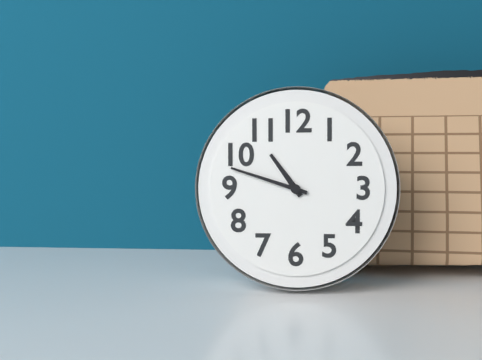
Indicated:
10.48
